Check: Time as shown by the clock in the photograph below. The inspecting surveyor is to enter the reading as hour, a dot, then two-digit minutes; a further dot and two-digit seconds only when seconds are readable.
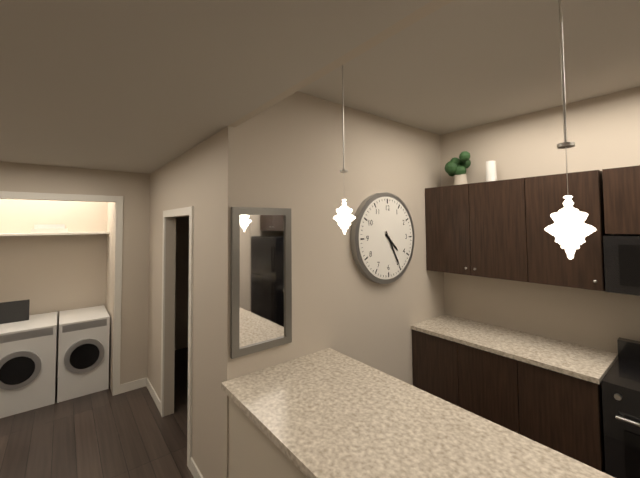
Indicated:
4.25
